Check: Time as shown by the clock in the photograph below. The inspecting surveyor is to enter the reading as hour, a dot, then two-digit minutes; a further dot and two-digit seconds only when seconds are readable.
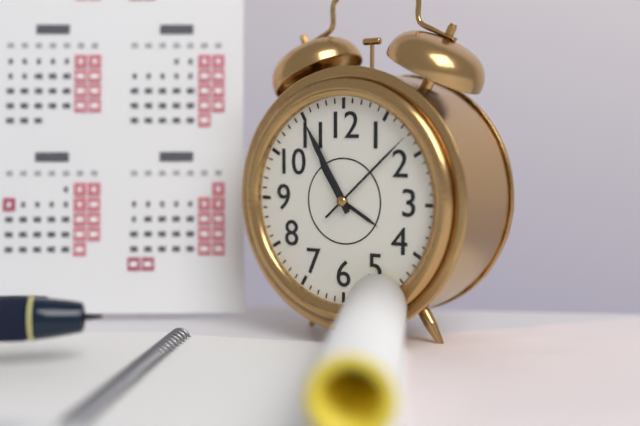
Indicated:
10.55.08
